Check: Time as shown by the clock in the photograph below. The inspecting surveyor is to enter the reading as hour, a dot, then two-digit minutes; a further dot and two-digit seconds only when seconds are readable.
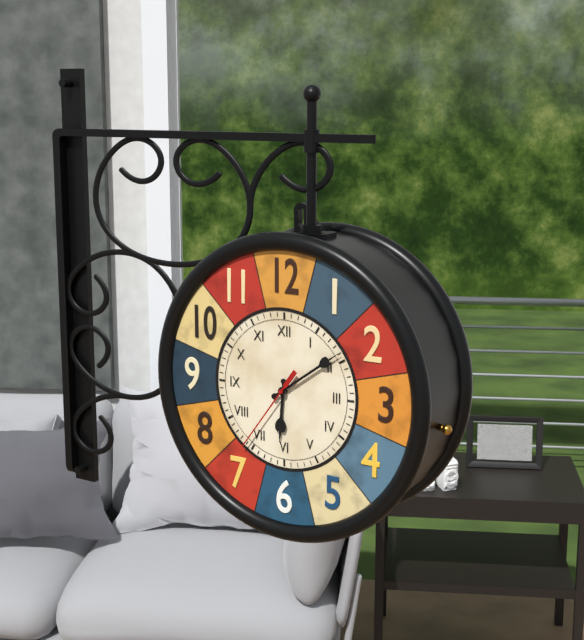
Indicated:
6.09.36
